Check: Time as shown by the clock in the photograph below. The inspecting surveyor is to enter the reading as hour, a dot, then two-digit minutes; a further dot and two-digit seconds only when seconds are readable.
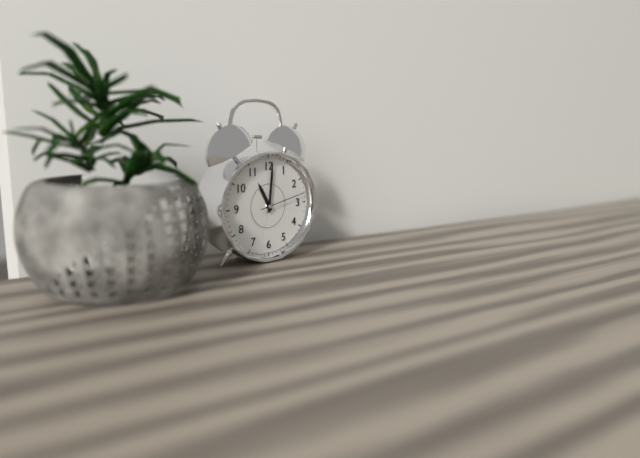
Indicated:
11.01
